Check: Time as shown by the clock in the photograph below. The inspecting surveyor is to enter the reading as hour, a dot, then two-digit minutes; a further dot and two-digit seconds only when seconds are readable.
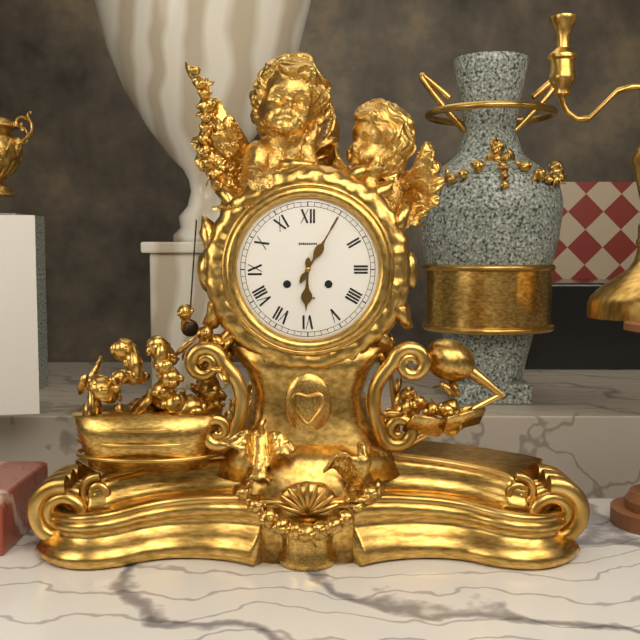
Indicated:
6.05
